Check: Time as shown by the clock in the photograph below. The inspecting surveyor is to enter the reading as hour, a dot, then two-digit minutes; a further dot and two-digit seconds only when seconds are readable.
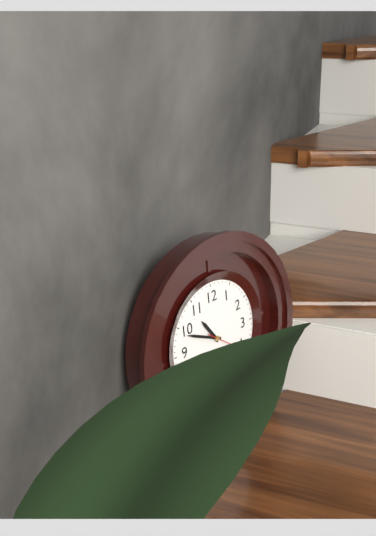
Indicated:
10.49
